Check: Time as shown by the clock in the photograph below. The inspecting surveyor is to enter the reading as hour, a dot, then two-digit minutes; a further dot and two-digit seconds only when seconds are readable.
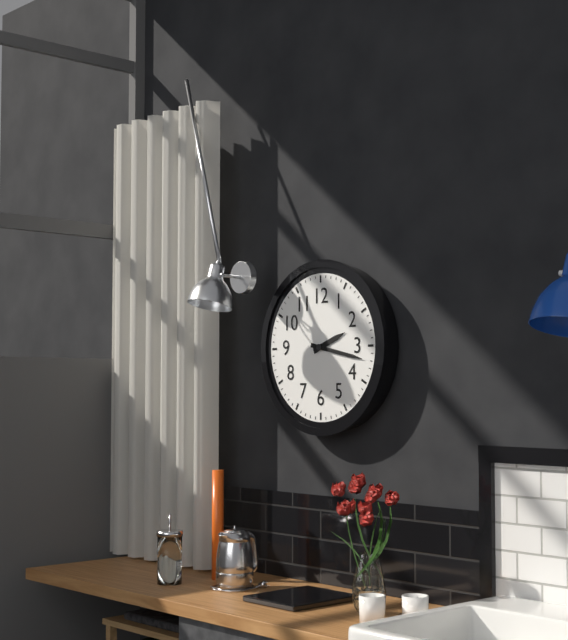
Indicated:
2.17
